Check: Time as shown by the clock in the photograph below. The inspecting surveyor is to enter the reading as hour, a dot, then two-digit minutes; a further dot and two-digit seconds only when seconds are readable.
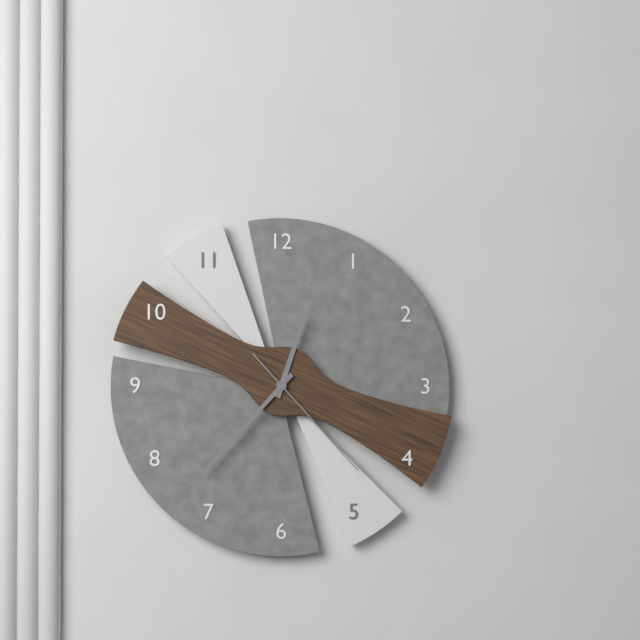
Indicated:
12.37.23
